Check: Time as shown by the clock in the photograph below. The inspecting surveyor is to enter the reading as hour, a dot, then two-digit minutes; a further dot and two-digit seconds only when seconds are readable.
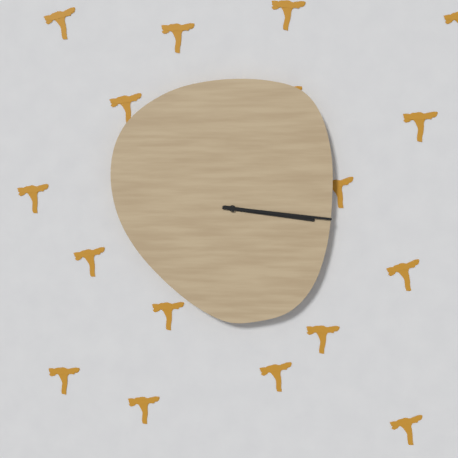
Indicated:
3.16
